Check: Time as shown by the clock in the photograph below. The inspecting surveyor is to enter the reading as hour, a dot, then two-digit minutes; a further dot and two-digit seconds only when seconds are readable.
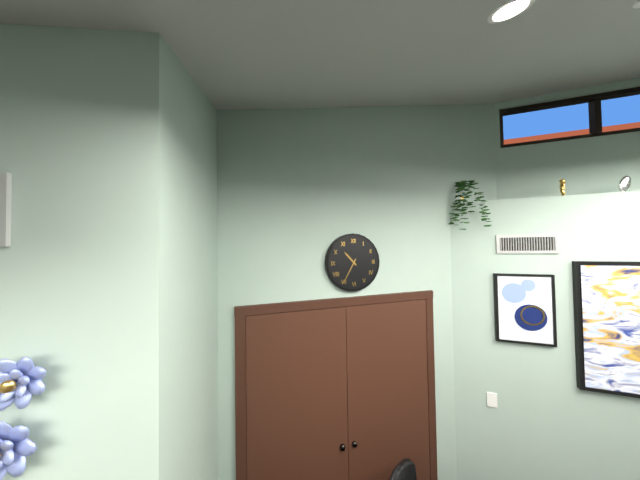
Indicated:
10.35
